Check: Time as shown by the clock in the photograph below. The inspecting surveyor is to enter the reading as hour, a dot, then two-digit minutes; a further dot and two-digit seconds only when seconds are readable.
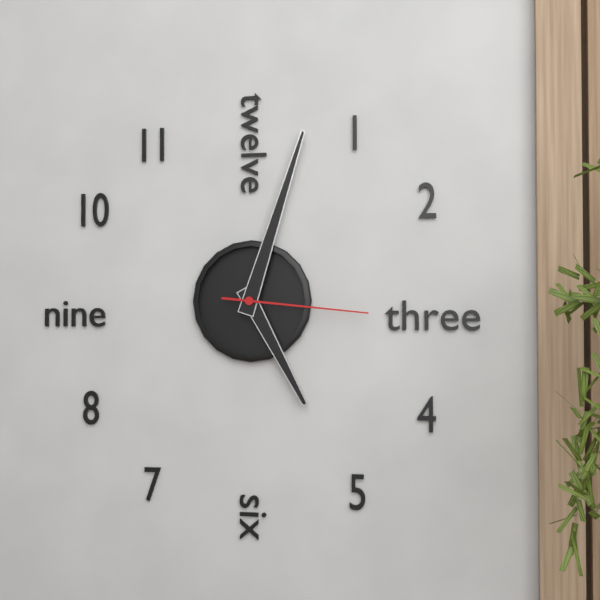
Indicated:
5.03.16
